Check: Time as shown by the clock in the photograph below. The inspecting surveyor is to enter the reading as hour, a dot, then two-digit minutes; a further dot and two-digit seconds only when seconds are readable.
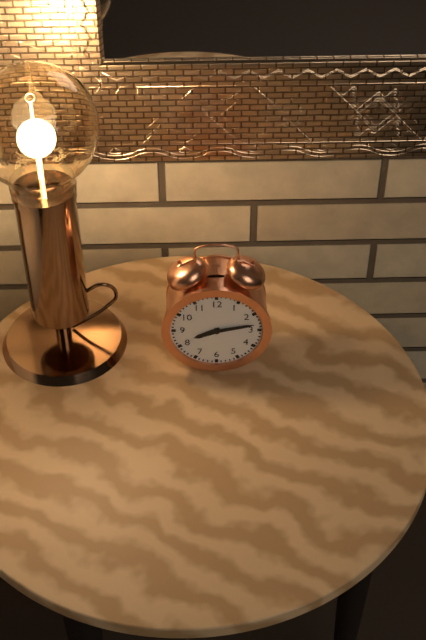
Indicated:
8.13
